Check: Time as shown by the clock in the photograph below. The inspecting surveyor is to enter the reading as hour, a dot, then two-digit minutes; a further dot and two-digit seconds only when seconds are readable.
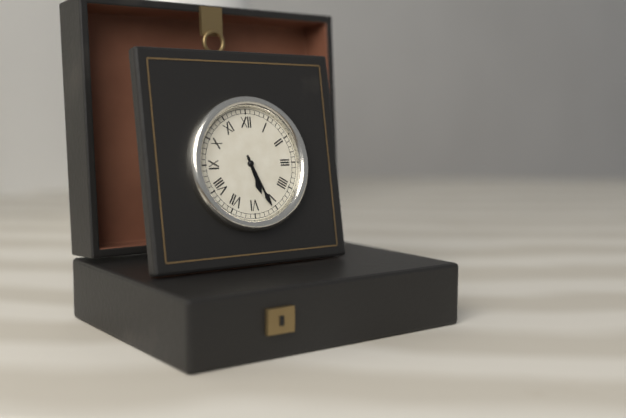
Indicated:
5.26
